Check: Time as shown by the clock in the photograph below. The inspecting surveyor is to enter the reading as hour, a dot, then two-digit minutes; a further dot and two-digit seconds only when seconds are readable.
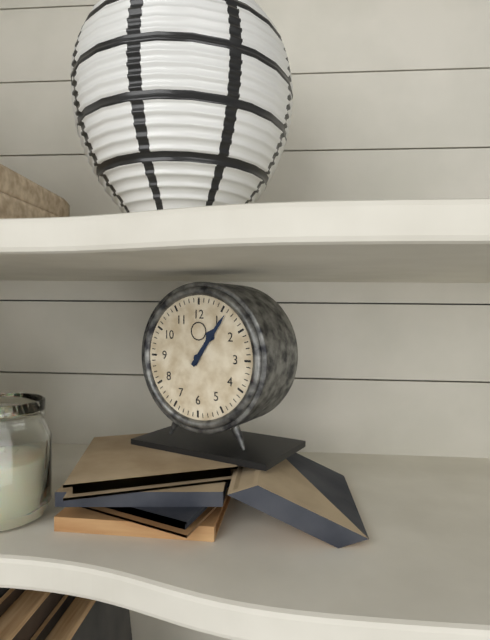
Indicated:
1.06
